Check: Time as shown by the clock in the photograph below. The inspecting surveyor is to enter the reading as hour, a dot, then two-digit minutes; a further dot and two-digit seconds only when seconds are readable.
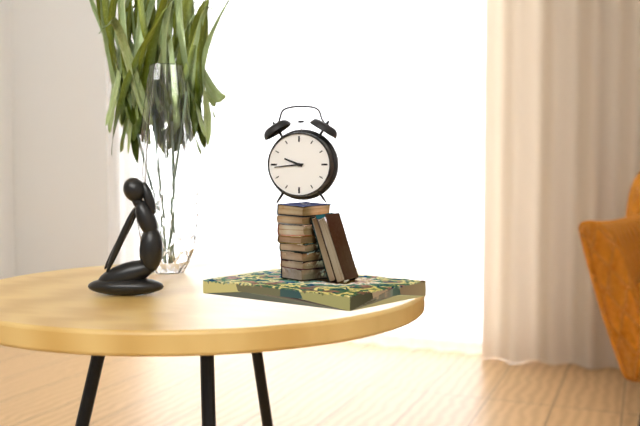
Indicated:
9.44
